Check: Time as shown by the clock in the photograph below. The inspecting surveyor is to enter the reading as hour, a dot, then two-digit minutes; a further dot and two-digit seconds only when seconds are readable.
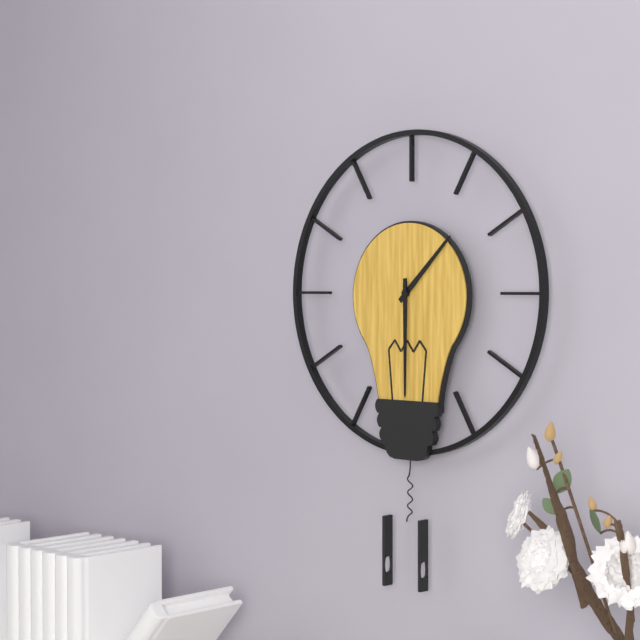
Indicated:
1.30
